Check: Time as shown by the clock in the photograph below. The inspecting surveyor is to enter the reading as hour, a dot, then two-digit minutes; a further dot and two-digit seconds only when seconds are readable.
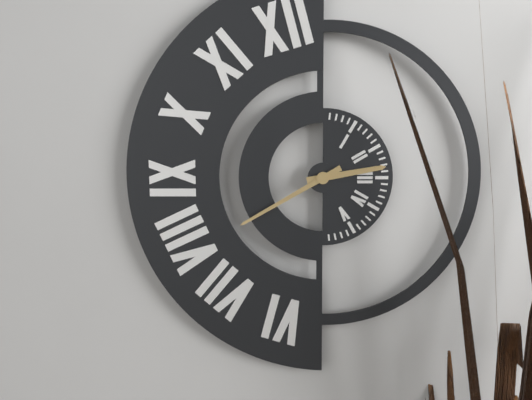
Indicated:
2.40
